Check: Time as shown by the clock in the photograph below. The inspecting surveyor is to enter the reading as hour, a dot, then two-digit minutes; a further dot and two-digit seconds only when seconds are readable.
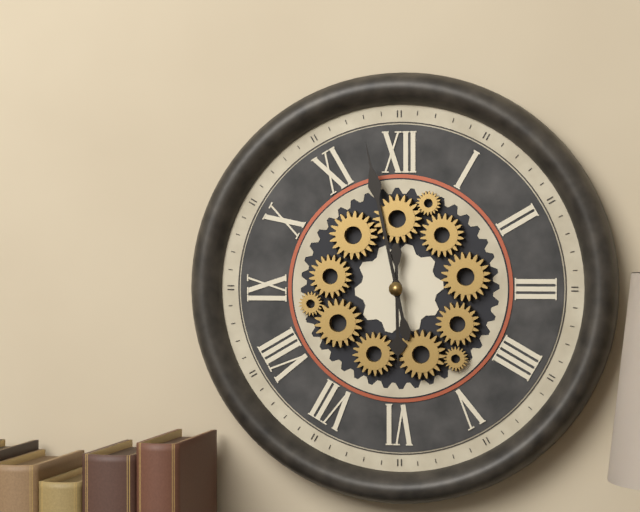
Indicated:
5.58
